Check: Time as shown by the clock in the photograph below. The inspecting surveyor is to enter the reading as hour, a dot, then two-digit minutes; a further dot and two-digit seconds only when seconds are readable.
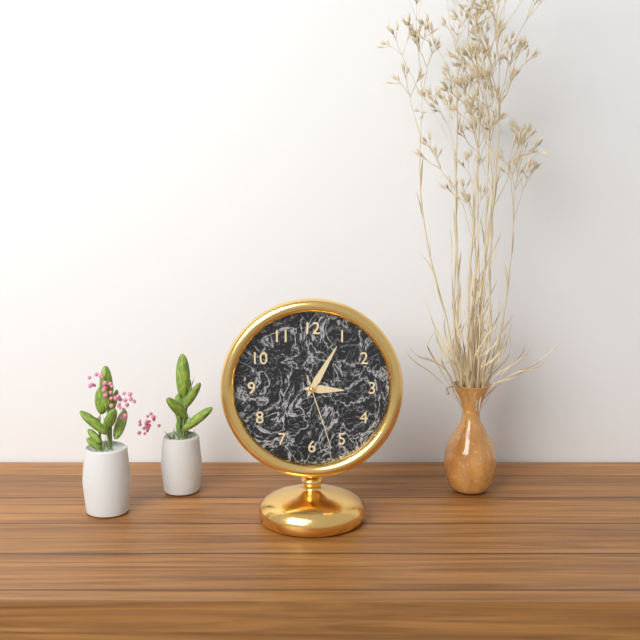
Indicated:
3.05.27
